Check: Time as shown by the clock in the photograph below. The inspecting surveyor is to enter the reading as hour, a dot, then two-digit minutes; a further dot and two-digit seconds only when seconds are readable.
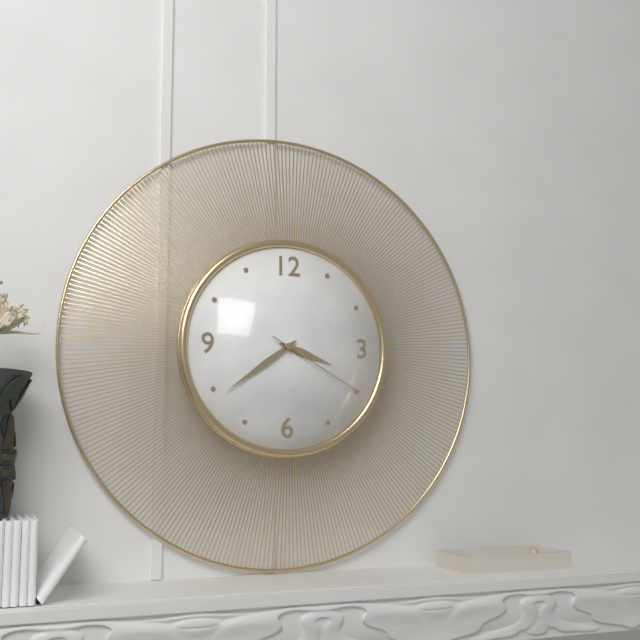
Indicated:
3.39.20
